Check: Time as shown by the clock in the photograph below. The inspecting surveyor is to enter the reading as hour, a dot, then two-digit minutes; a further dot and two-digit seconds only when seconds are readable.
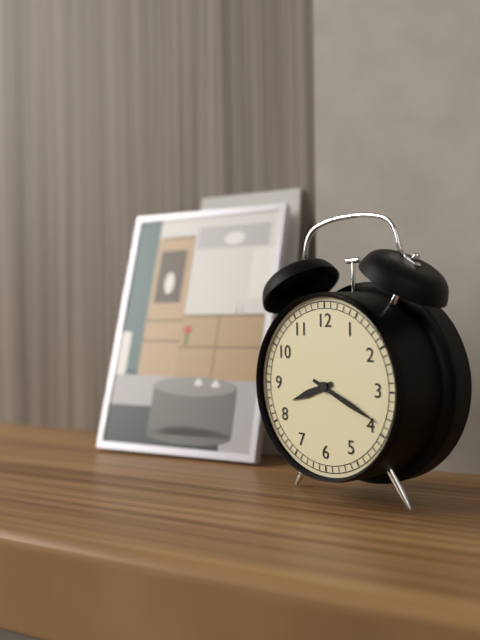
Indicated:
8.19
